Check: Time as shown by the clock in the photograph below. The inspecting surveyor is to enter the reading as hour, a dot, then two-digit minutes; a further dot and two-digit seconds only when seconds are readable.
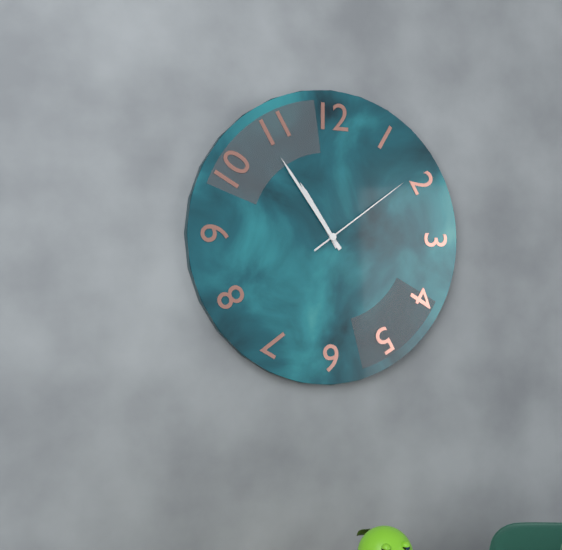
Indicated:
10.54.09
